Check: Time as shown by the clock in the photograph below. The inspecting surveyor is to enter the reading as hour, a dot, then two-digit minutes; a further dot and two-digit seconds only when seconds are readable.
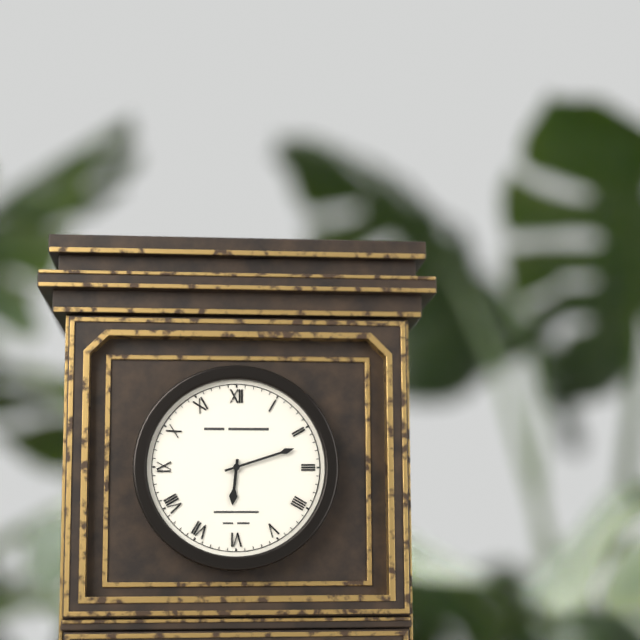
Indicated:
6.12
